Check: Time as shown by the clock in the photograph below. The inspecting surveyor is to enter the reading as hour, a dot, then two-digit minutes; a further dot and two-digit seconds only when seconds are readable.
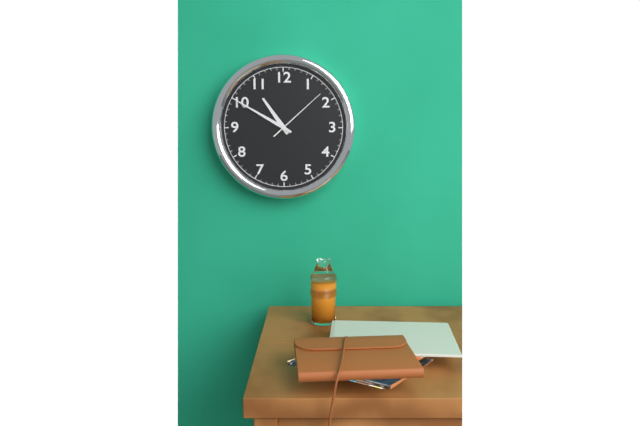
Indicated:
10.50.08
